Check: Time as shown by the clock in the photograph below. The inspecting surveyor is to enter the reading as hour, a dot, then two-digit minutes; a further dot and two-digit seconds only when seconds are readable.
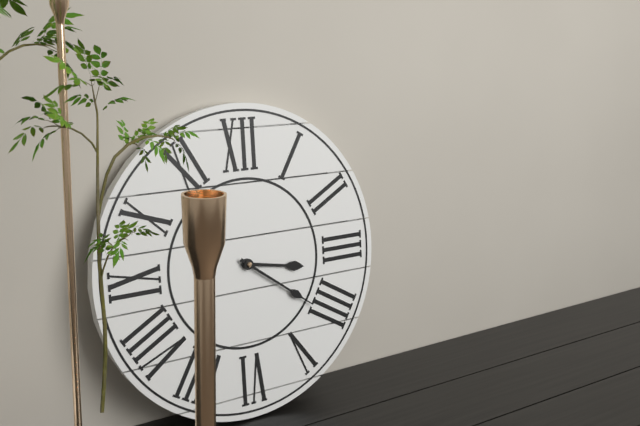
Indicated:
3.21
